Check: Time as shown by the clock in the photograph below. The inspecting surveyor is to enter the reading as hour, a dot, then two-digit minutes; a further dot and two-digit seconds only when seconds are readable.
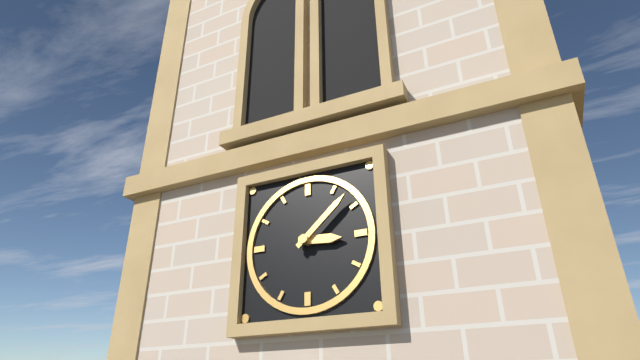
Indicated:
3.08
